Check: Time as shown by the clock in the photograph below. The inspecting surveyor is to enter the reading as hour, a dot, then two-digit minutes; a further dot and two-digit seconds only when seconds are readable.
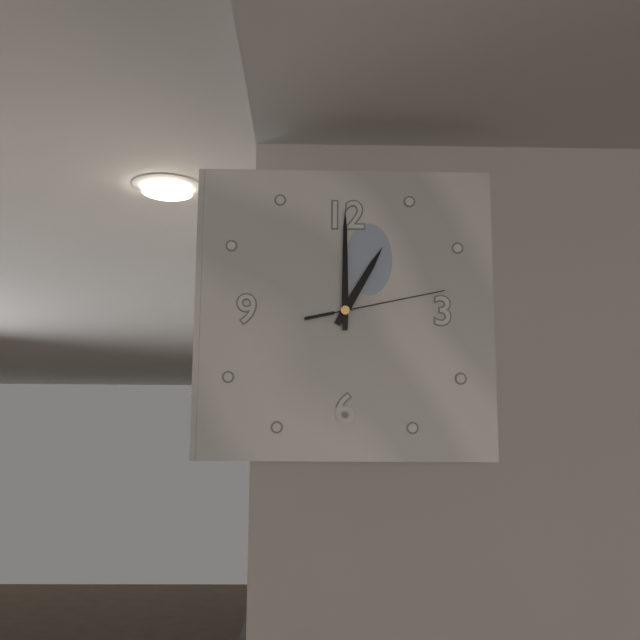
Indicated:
1.00.13
